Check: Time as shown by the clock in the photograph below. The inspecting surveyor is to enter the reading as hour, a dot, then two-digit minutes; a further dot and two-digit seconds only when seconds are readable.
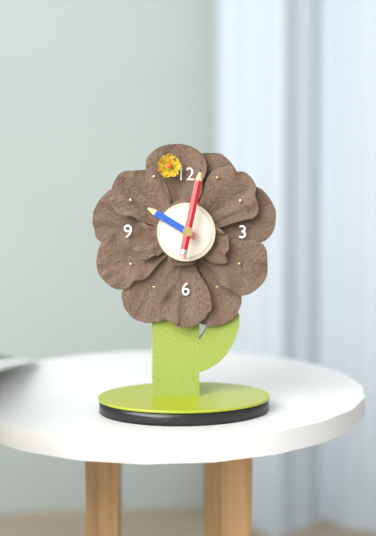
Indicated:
10.02
